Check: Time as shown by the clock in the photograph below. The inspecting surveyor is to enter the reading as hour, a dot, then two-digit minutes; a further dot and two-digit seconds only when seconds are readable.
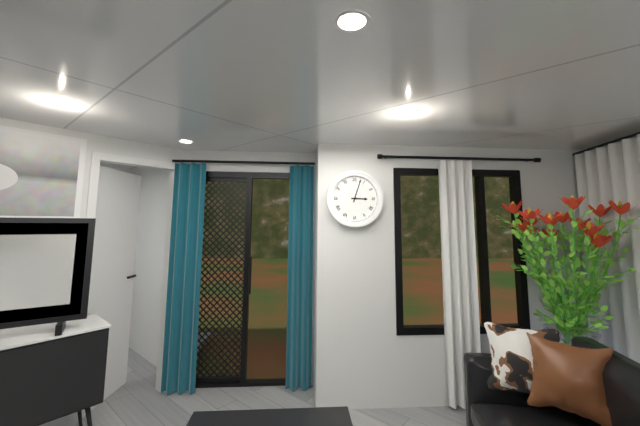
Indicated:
3.03
